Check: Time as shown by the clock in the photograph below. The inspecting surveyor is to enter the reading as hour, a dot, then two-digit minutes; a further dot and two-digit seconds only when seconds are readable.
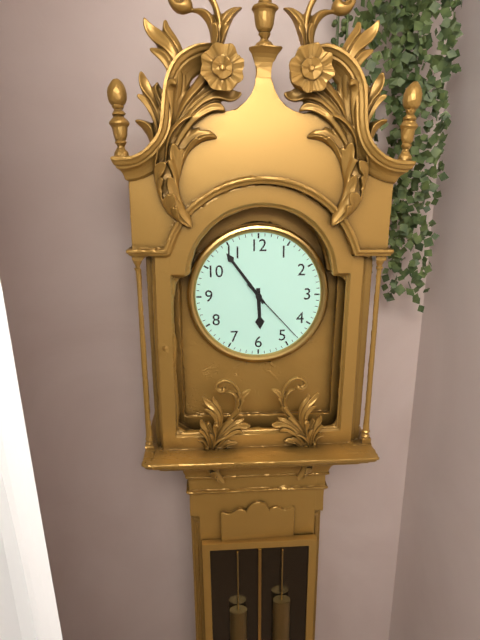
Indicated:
5.54.23
